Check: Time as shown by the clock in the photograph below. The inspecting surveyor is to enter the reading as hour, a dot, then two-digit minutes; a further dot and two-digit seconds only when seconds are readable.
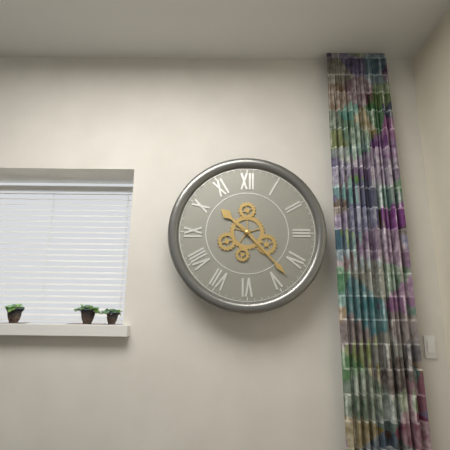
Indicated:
10.23
